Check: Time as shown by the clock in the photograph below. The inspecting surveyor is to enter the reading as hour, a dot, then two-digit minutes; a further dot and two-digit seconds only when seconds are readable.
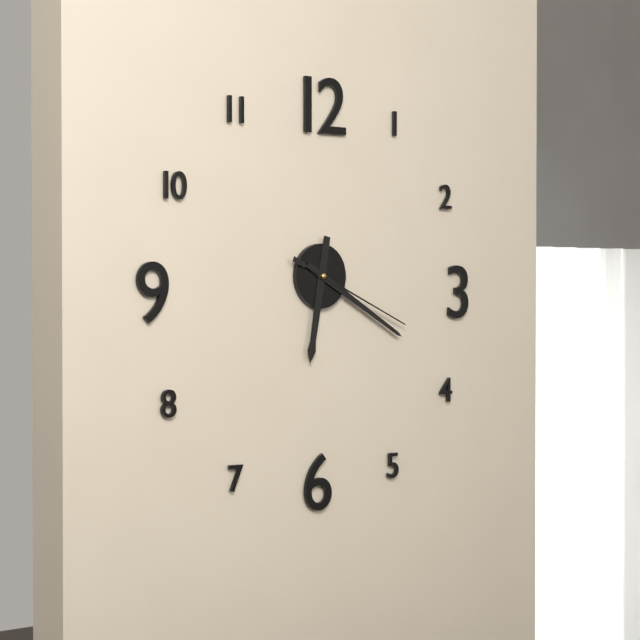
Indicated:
6.20.19
